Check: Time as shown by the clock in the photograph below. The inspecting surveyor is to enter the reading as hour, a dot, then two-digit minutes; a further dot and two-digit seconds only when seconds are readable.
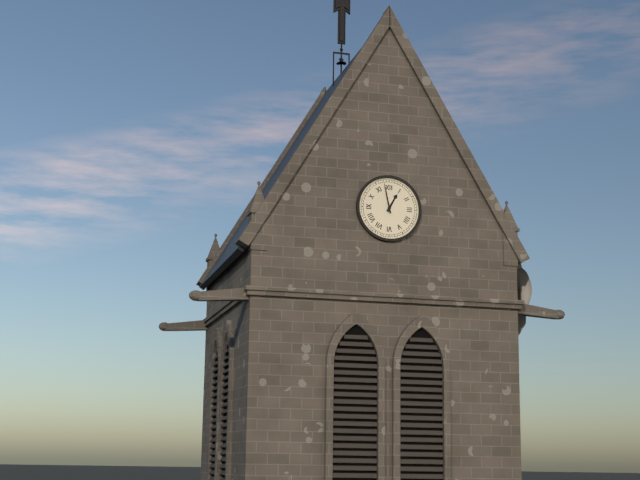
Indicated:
12.58
